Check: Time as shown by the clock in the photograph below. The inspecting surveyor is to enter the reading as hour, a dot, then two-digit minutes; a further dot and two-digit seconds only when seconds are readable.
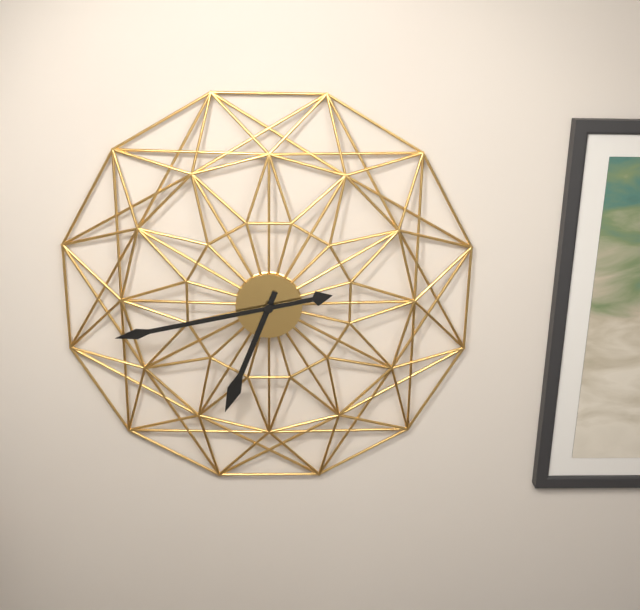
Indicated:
6.43
